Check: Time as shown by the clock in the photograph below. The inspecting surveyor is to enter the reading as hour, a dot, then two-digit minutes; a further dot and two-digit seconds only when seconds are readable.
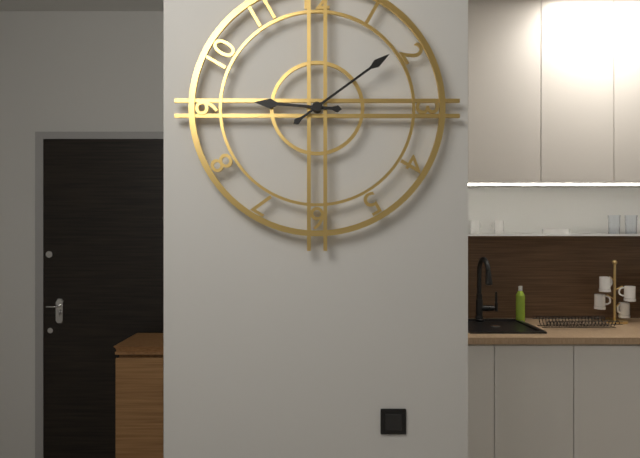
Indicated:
9.09
